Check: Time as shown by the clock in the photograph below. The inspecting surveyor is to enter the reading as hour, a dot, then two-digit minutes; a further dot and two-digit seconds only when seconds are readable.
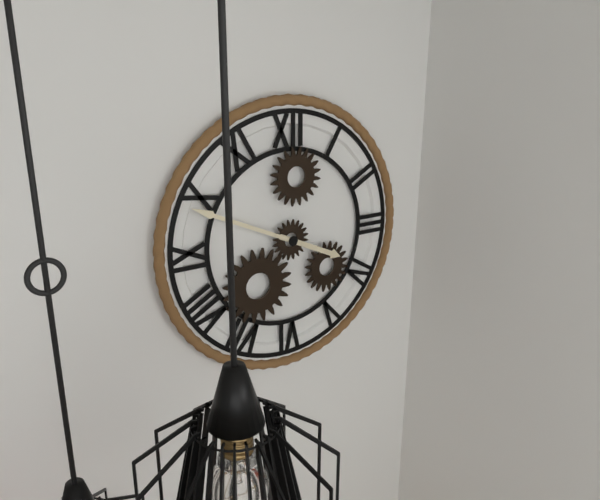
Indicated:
3.49
